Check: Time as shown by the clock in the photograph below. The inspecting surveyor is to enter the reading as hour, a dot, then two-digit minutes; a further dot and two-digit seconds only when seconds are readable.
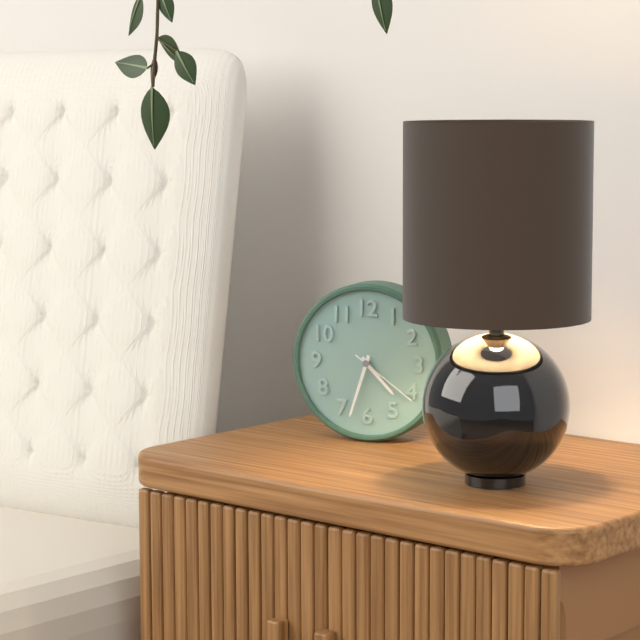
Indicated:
4.33.21
